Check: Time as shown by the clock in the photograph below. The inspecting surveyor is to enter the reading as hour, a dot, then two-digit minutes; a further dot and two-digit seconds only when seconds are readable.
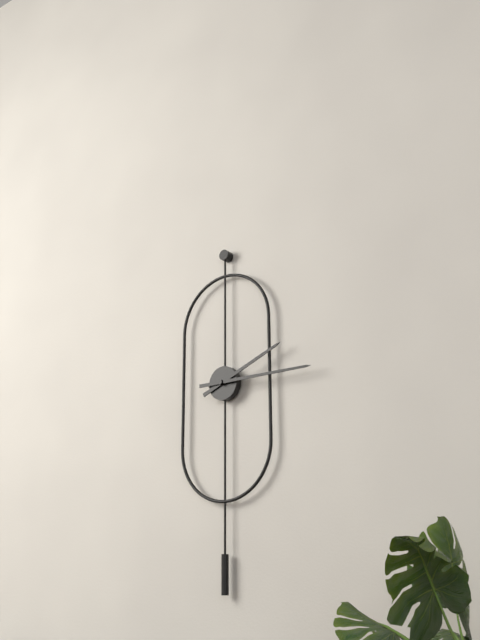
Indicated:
2.15
